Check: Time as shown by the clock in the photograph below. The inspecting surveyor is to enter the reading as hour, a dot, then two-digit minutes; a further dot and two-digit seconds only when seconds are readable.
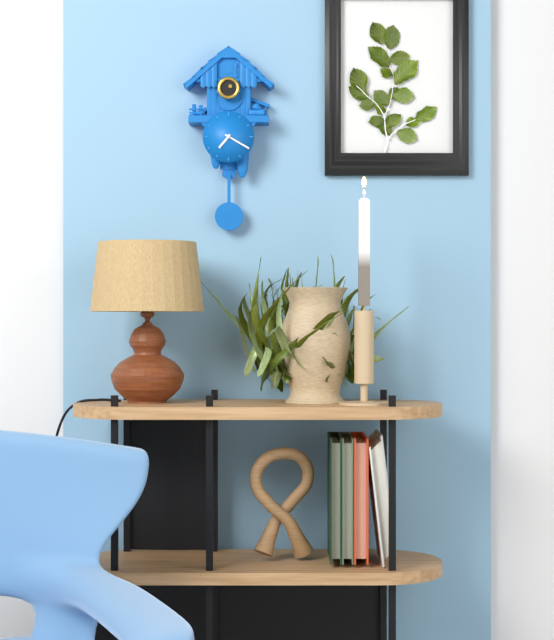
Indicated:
7.20
